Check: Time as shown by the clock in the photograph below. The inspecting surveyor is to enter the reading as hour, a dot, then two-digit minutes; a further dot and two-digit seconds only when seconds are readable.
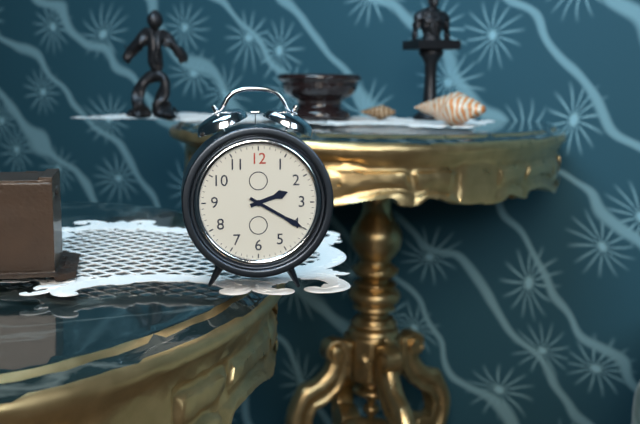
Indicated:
2.20
